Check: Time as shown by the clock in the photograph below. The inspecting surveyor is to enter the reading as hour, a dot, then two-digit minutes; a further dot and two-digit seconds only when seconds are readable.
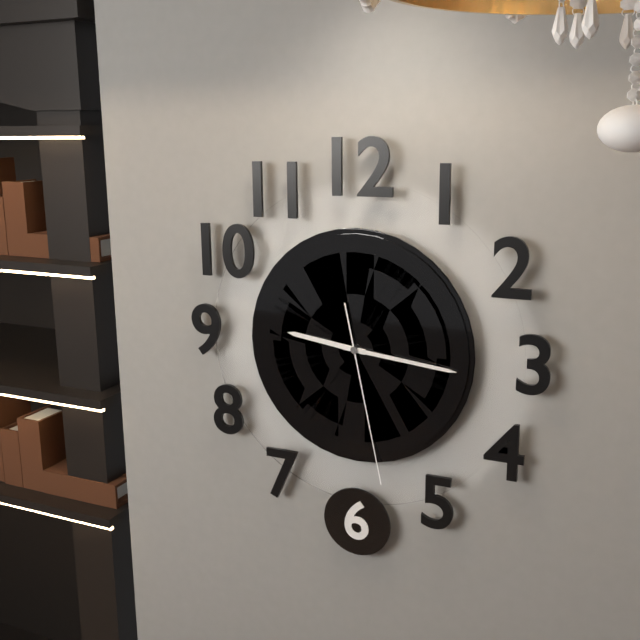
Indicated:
9.16.28
